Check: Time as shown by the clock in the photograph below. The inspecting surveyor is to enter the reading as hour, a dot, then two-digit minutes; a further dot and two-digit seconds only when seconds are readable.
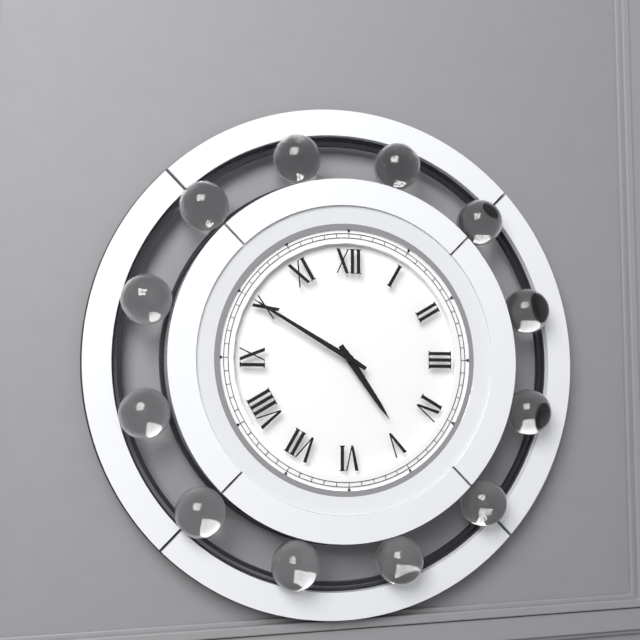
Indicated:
4.50
